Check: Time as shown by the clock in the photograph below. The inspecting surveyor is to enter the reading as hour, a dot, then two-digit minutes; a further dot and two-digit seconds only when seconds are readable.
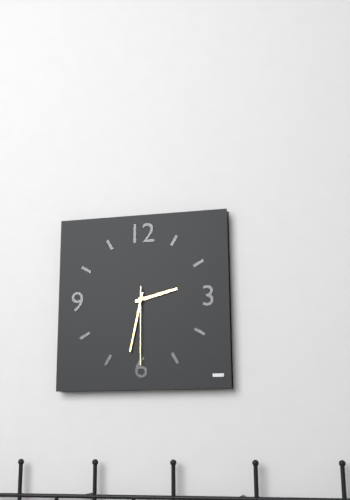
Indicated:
2.32.30
